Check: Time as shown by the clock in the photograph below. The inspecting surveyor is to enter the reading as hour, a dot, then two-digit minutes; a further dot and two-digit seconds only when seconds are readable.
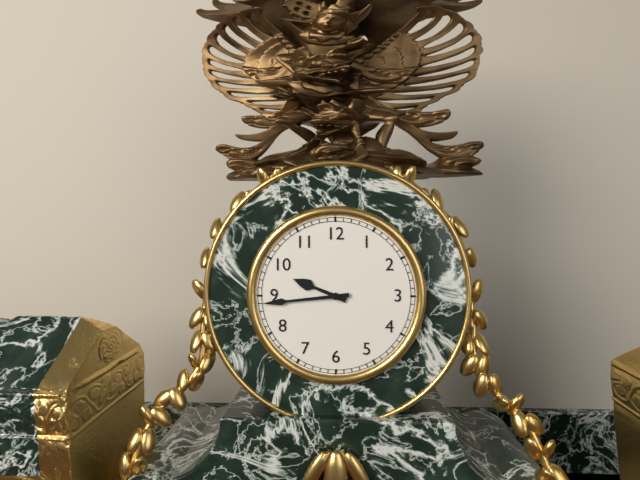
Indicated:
9.44
